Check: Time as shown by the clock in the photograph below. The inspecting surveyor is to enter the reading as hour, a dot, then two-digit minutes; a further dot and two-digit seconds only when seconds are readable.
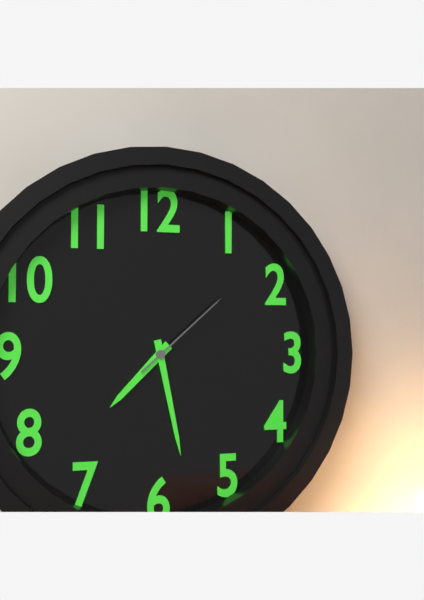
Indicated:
7.28.08
